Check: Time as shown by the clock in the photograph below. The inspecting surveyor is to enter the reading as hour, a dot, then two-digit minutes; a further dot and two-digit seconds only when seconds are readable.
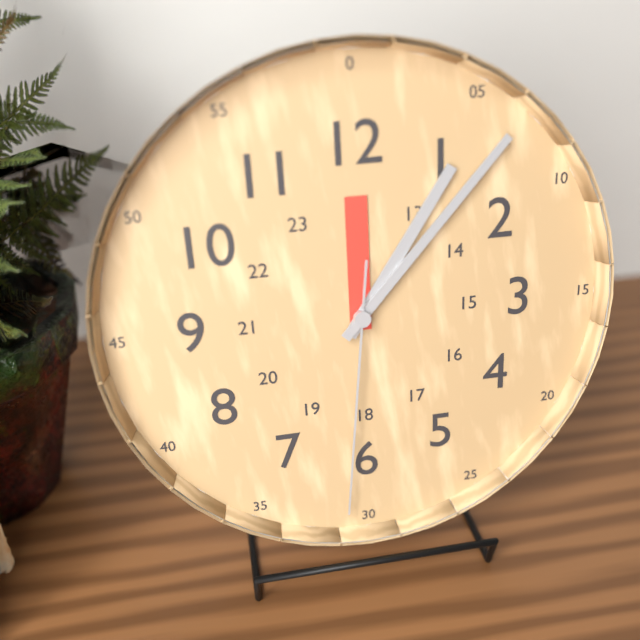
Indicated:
1.07.31
